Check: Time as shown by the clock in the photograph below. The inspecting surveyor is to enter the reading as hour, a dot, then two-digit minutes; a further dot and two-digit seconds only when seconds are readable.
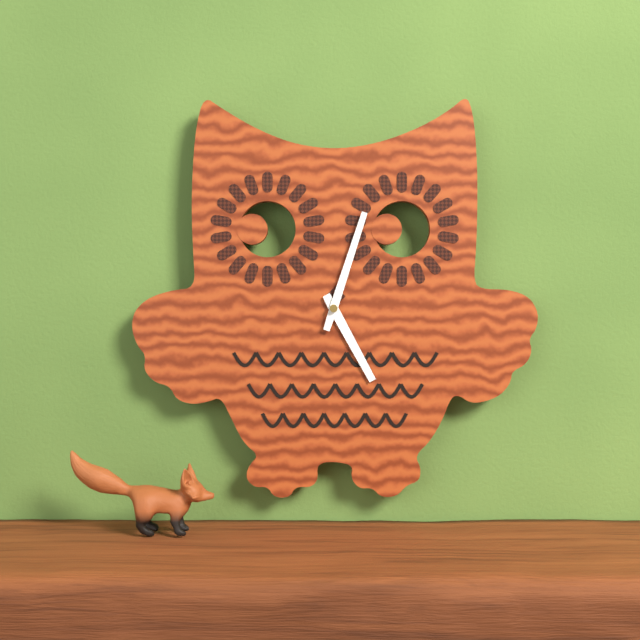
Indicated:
5.03
